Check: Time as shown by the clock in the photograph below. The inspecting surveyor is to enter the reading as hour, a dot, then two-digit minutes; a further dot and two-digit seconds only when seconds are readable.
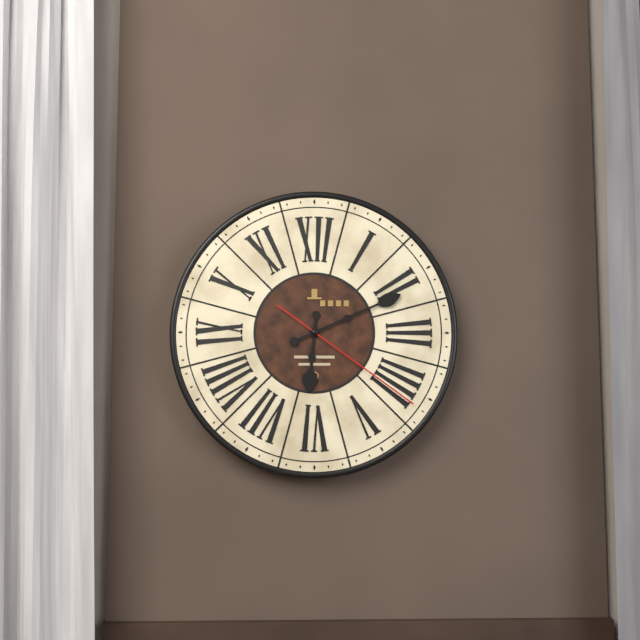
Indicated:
6.11.21
